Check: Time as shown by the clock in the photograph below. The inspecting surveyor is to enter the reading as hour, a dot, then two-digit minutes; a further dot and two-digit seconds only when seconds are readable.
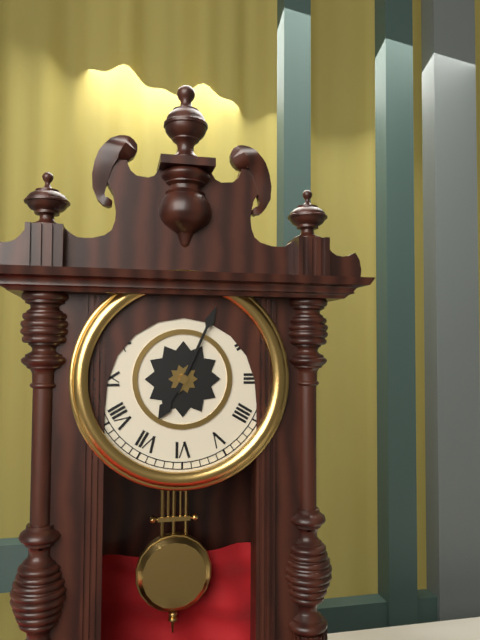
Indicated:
7.04
